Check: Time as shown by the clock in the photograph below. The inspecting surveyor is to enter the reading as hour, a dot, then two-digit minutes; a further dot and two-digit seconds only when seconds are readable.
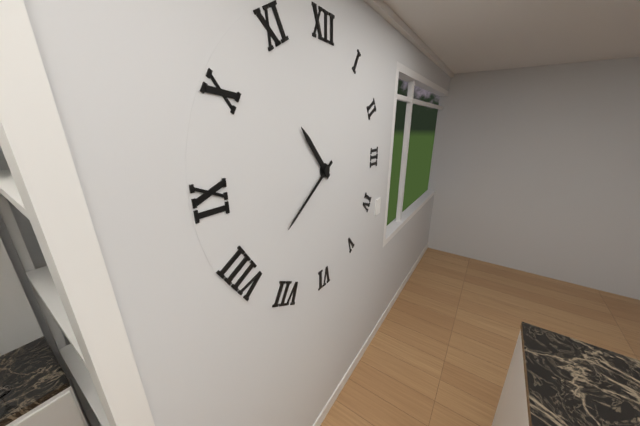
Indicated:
10.39
